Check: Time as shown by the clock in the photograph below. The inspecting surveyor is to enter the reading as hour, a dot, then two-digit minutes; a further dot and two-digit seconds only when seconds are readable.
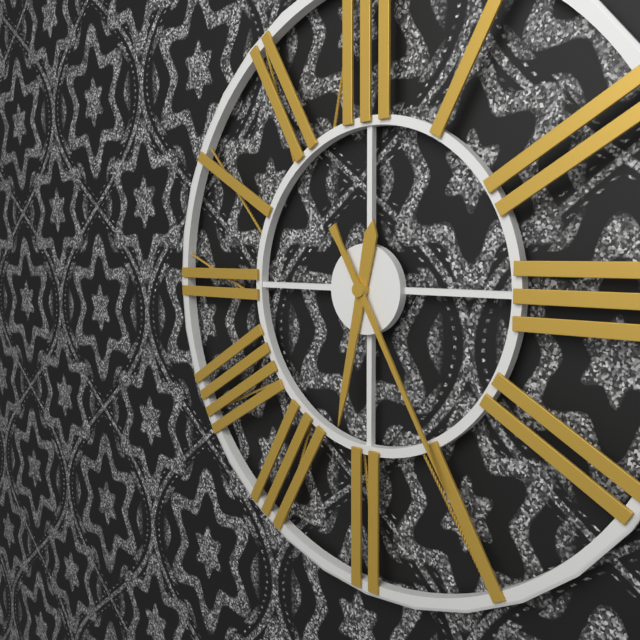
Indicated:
6.25
